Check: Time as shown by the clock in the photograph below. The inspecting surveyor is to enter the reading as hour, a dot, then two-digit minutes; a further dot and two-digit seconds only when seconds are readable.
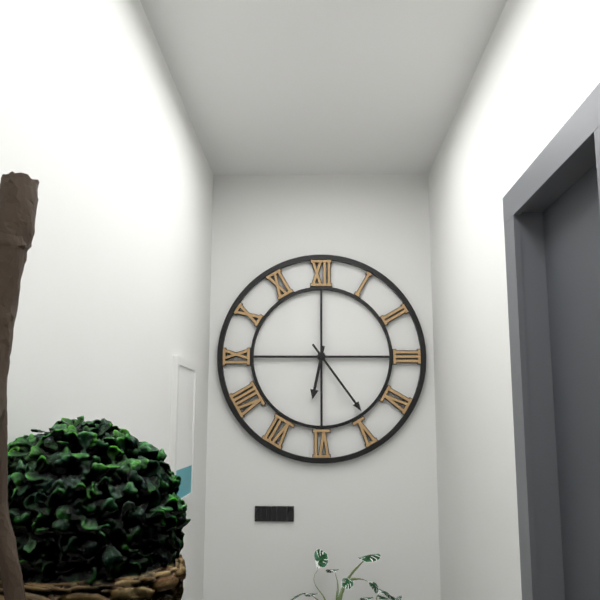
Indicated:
6.24
